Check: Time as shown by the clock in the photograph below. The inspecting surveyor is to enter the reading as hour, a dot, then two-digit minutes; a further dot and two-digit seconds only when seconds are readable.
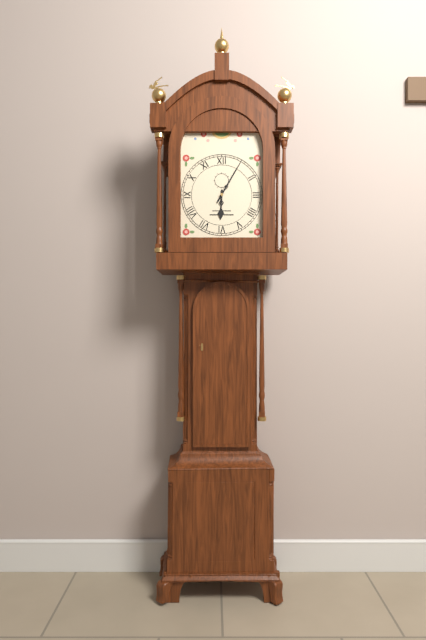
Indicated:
6.05
